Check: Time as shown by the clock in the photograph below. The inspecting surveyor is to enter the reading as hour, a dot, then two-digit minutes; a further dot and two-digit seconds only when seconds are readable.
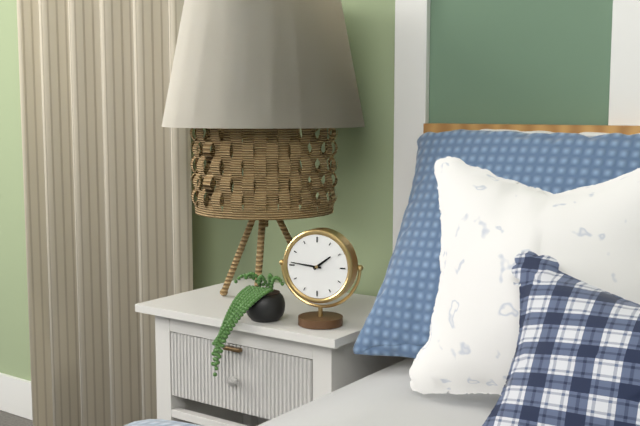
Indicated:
1.46
